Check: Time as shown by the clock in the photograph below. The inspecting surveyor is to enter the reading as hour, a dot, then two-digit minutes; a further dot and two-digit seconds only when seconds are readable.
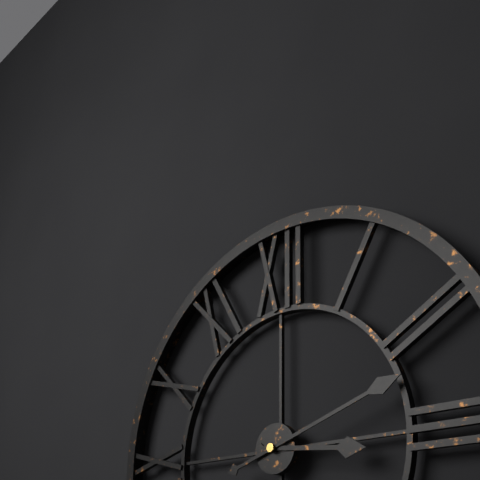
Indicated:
3.12
